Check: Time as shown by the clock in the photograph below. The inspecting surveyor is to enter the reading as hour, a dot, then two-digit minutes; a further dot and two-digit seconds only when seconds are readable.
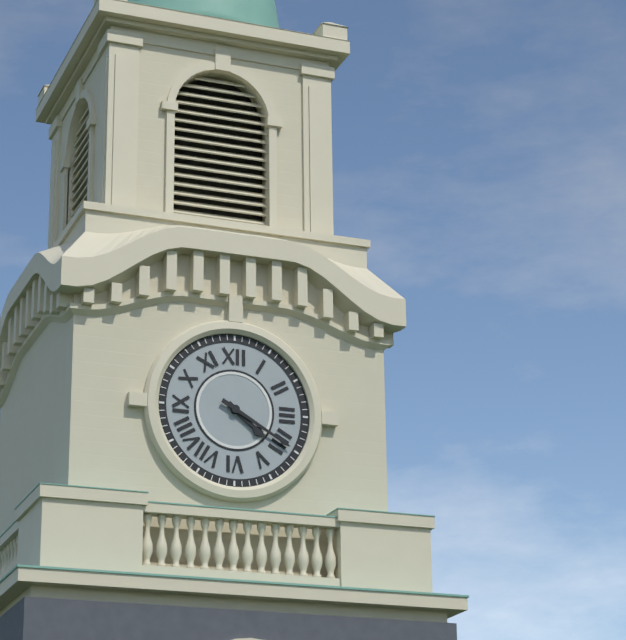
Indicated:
4.20
